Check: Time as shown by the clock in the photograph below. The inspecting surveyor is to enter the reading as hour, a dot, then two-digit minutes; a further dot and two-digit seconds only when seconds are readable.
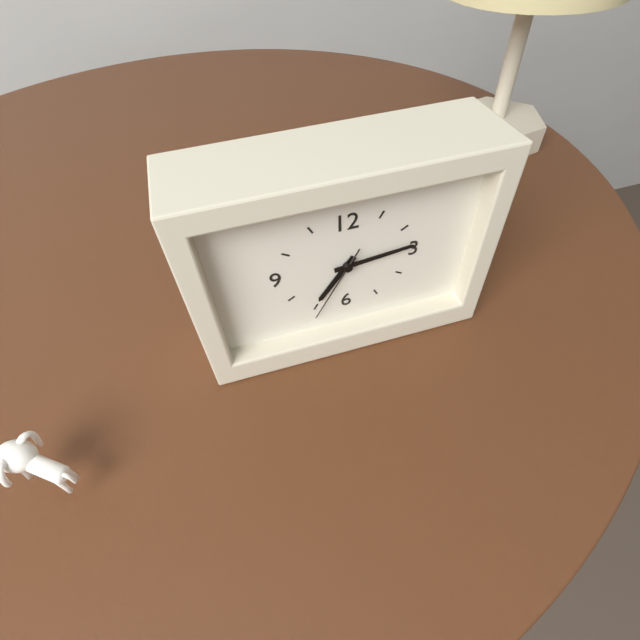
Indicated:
7.14.35
